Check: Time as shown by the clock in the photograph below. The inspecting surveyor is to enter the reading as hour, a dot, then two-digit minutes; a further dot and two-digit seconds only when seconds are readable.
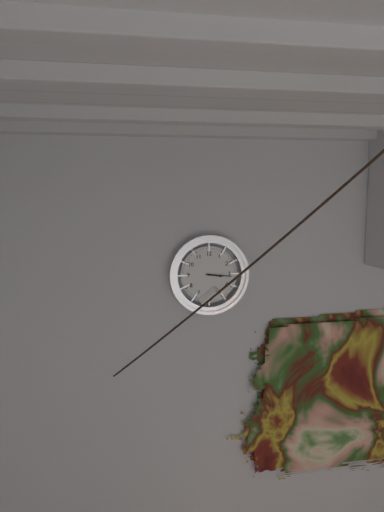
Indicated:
3.16
